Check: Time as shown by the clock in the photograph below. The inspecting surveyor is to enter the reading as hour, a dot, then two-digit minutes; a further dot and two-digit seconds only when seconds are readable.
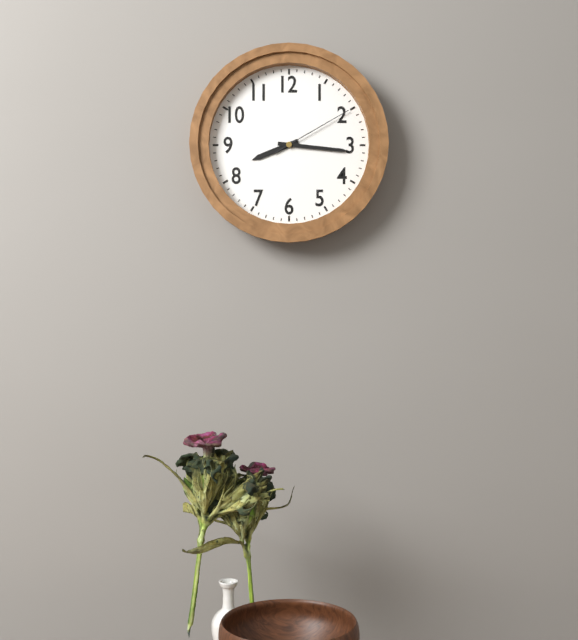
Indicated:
8.16.10
